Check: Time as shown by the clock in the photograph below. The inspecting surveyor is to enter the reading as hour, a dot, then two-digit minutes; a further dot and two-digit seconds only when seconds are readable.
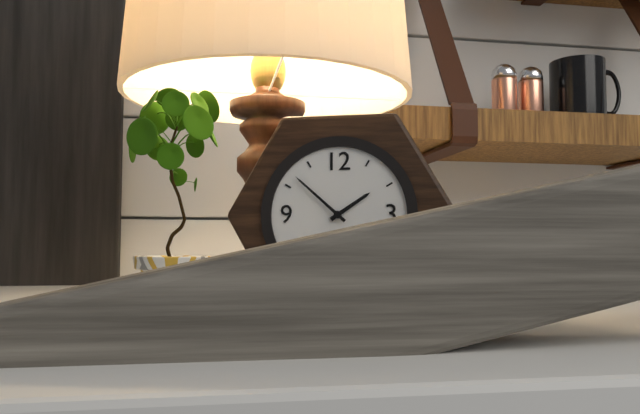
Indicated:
1.52
